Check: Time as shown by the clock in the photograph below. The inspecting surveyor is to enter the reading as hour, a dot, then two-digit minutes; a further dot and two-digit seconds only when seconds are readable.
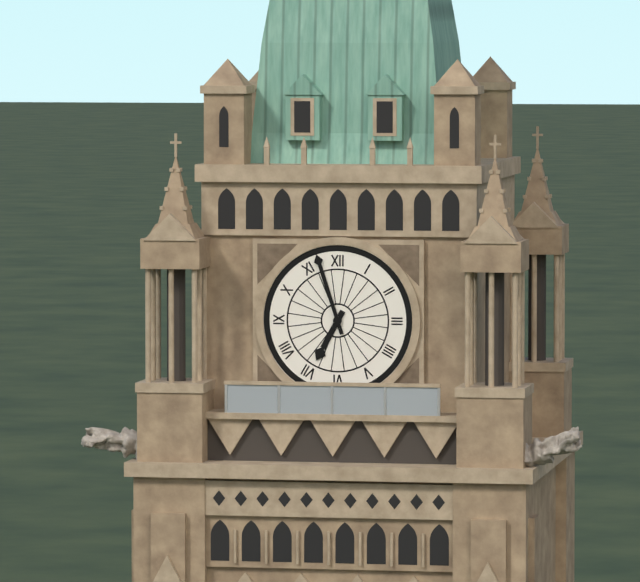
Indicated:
6.57
